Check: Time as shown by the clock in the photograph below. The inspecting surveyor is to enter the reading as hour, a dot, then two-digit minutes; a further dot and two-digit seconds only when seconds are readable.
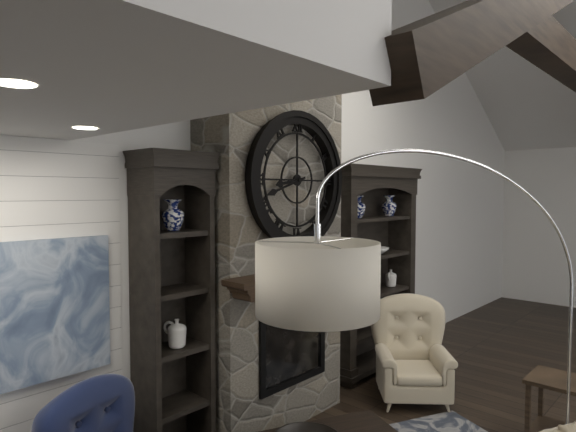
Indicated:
8.42
